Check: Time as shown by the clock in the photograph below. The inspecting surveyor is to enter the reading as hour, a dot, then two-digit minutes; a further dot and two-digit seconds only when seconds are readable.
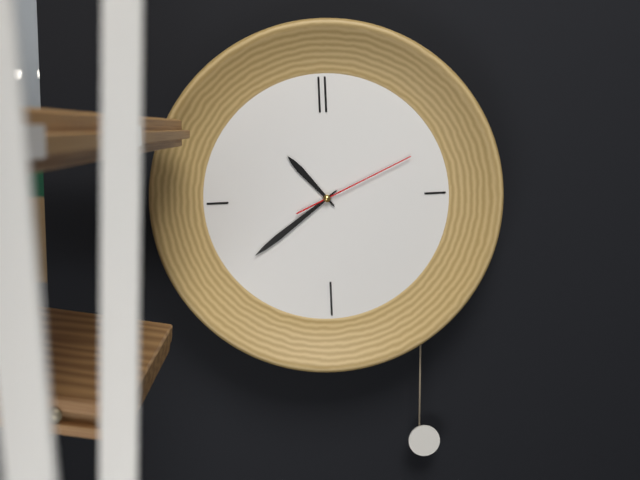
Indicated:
10.39.11
